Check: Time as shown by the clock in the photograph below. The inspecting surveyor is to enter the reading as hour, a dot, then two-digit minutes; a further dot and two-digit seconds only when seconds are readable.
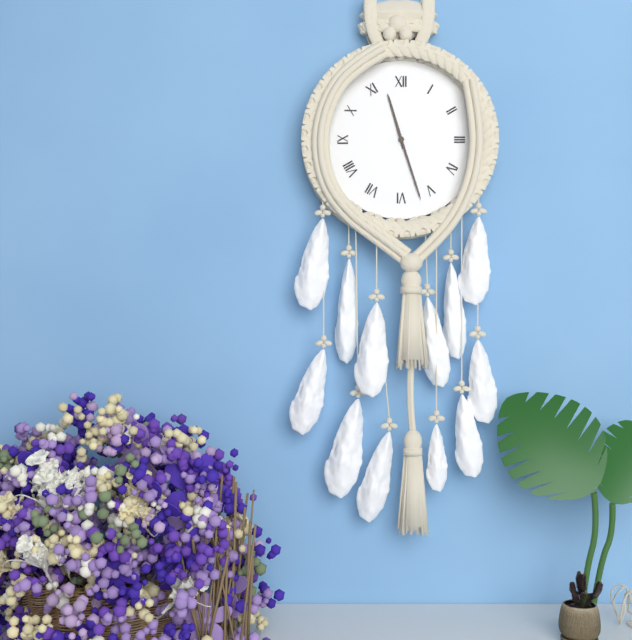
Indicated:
11.27
